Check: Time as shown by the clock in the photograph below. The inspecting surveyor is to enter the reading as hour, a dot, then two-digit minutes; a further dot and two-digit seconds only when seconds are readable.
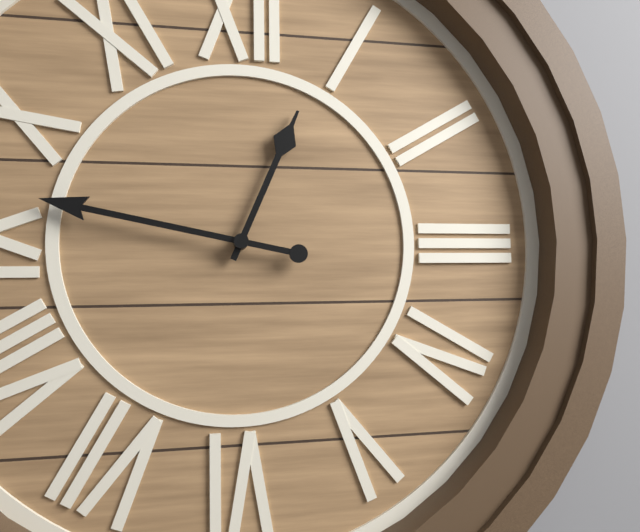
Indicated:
12.47
